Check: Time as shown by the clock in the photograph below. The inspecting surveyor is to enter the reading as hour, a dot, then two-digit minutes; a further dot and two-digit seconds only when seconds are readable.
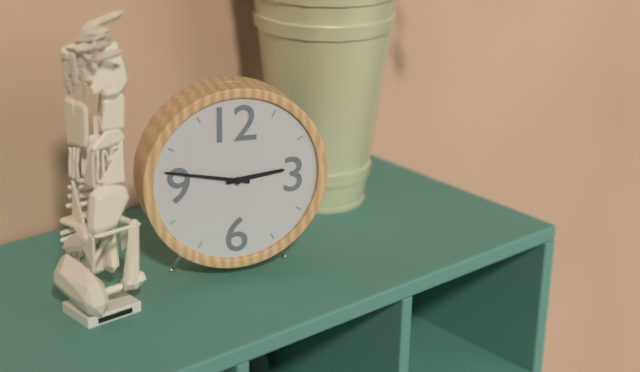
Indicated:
2.47
